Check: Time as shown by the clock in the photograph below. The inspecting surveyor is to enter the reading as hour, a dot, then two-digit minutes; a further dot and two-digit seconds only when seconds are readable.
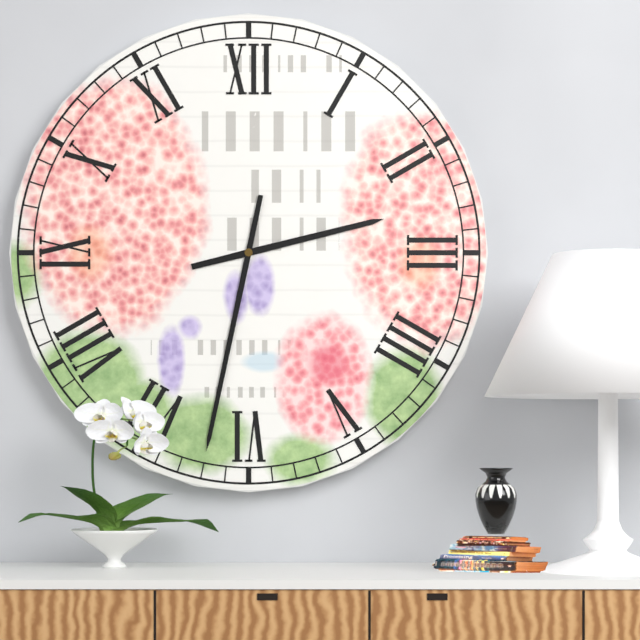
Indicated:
2.32
